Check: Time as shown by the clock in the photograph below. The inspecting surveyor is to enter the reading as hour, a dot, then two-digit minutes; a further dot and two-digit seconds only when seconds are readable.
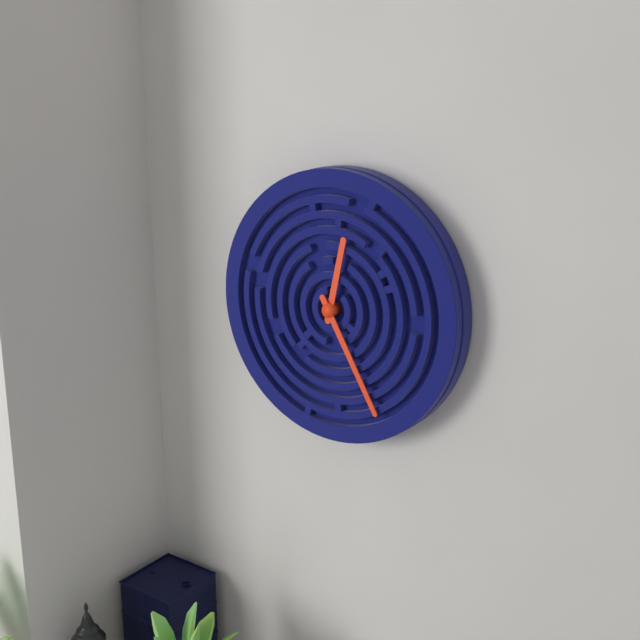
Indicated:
12.25
